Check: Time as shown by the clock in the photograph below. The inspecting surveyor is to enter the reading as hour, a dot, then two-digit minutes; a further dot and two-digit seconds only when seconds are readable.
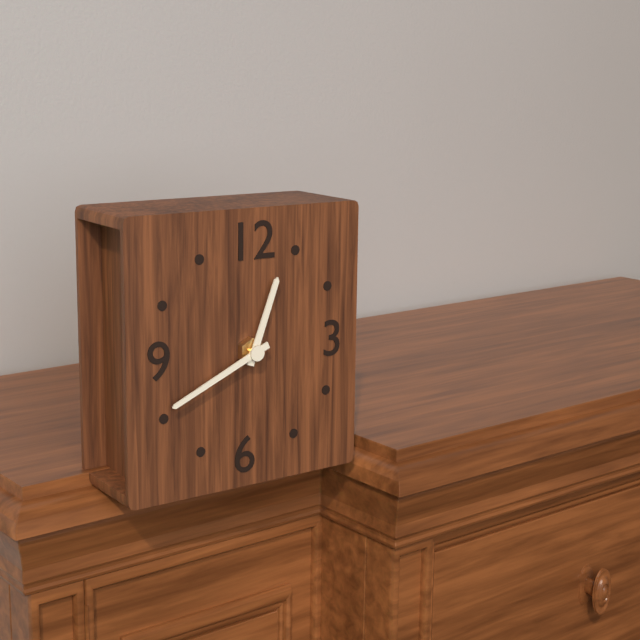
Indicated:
12.41
